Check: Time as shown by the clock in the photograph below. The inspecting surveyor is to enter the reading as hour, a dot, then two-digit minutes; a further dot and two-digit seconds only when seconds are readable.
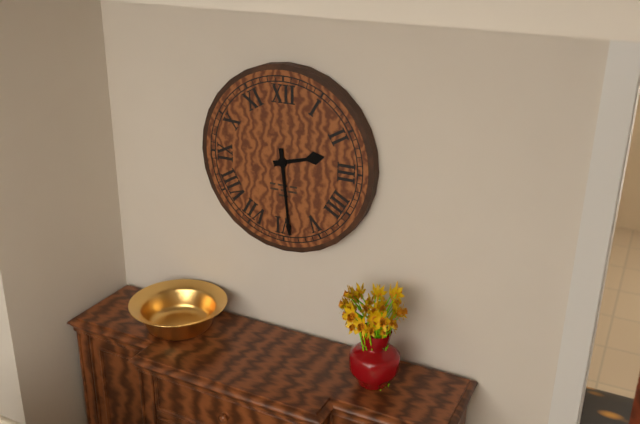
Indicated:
2.29
